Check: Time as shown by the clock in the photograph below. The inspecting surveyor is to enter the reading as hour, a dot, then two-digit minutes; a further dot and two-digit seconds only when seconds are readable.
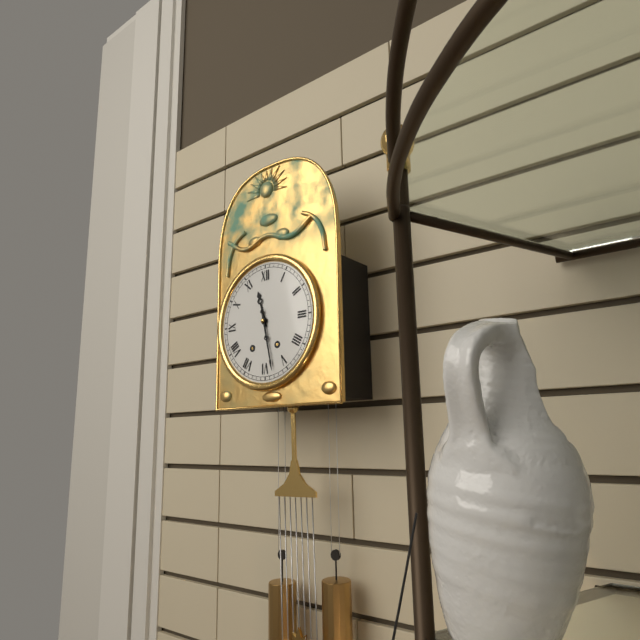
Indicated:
11.28
